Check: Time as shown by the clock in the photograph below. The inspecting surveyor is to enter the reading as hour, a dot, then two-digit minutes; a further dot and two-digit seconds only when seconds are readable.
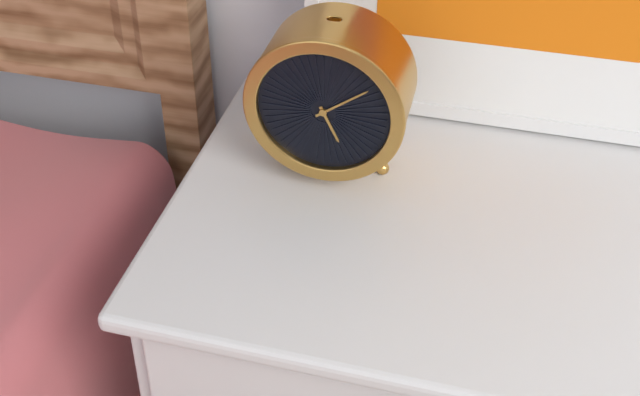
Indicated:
5.09
